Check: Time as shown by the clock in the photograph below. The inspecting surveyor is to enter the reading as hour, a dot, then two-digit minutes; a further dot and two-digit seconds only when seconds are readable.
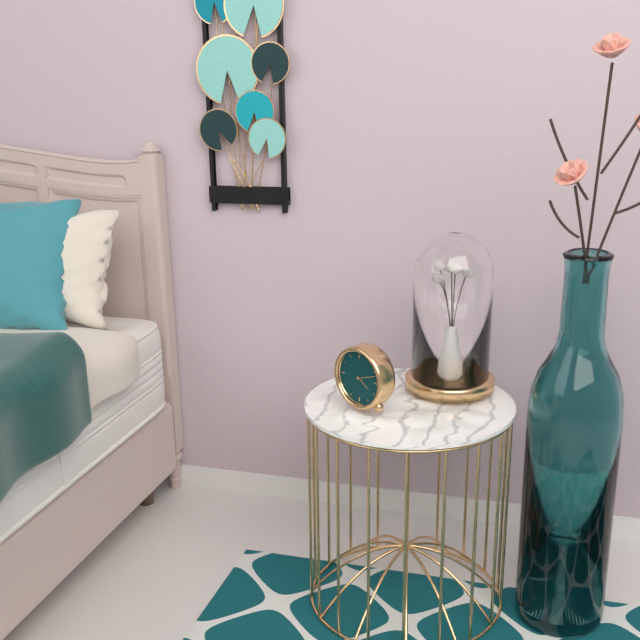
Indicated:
4.12
